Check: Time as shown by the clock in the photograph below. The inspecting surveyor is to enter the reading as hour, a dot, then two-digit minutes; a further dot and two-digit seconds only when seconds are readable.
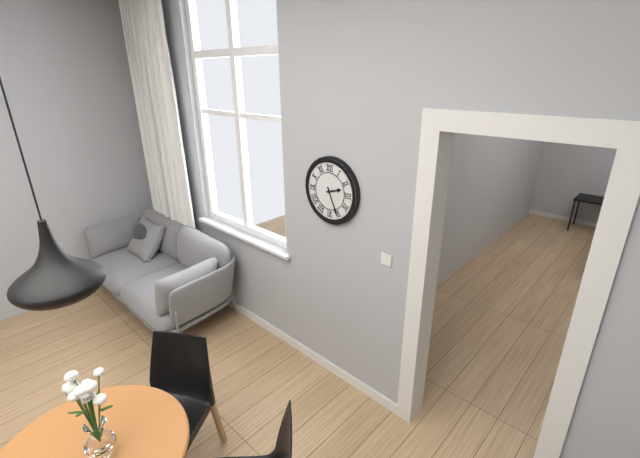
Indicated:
2.26
